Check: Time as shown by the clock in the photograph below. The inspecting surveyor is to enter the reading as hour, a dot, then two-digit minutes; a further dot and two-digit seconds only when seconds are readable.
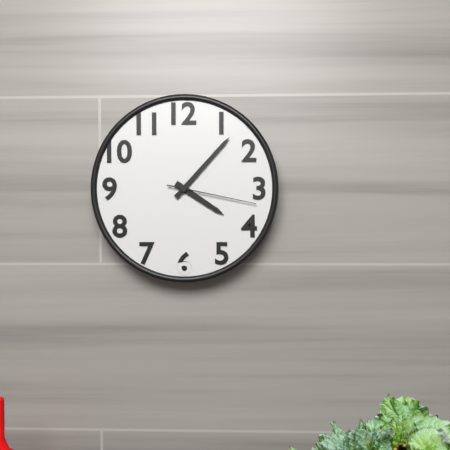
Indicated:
4.07.17
